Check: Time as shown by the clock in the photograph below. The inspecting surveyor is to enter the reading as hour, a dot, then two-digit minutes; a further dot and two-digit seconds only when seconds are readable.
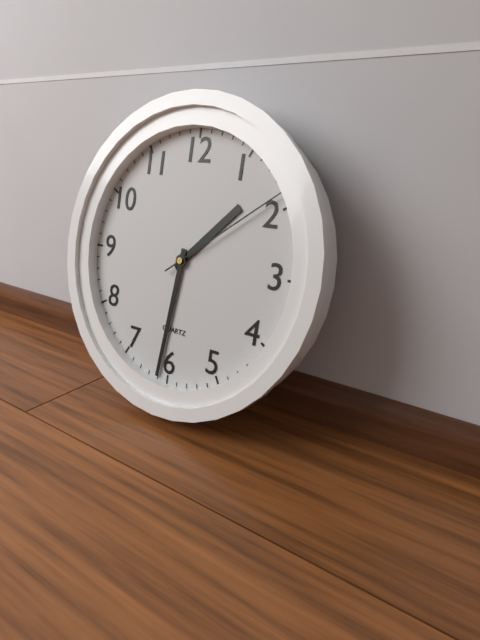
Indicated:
1.31.09
